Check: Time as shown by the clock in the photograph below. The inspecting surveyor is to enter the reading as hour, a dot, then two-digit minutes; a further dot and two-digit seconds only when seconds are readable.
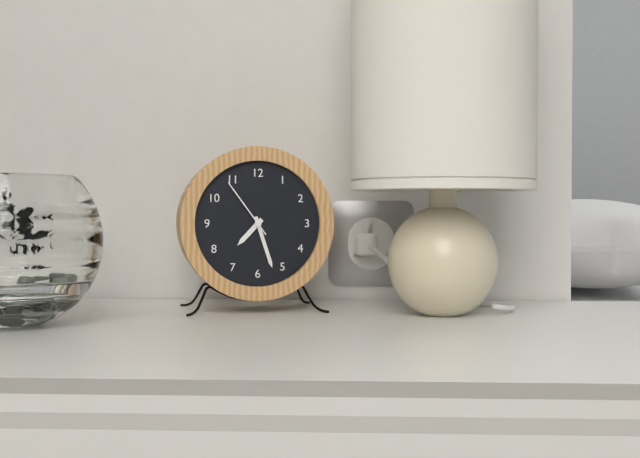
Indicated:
7.27.54
